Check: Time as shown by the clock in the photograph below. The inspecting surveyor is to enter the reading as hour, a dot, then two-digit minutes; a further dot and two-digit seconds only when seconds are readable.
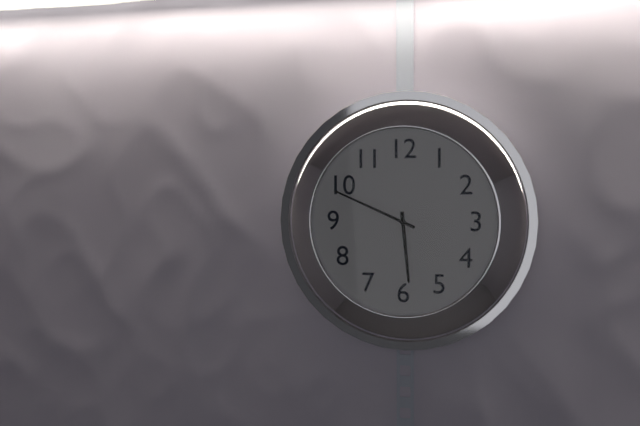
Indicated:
5.49
